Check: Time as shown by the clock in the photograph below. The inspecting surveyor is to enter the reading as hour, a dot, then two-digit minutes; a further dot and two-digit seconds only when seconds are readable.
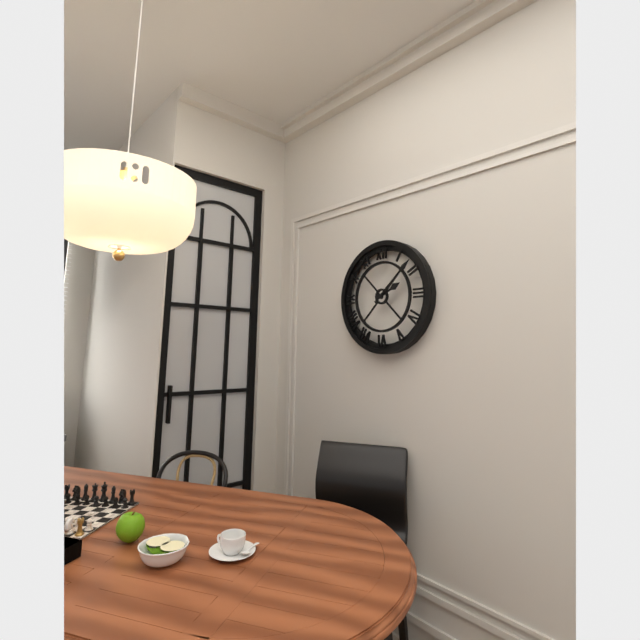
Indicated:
2.08
